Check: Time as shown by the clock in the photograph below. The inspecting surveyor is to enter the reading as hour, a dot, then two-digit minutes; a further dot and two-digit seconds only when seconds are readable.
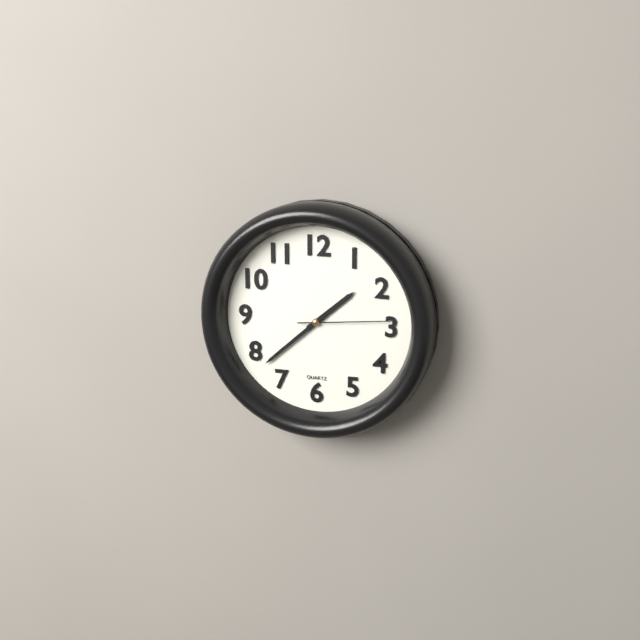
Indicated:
1.38.14
